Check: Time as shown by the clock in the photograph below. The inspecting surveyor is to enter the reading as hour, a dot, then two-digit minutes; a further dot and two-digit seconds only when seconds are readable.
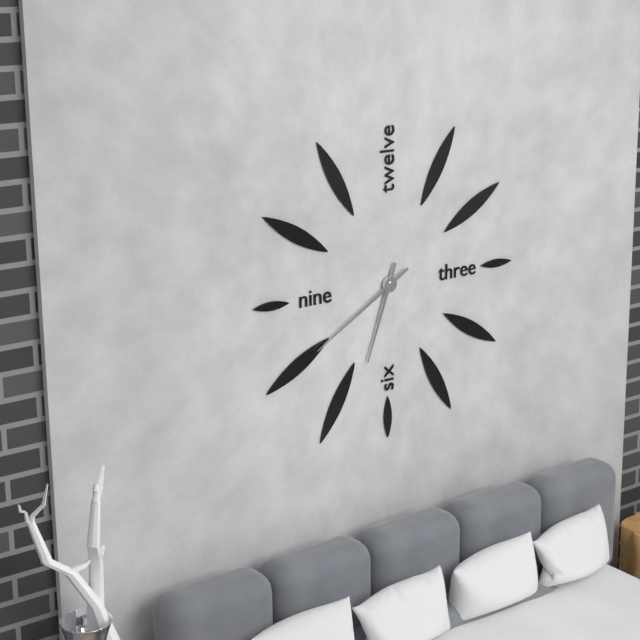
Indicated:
6.40
